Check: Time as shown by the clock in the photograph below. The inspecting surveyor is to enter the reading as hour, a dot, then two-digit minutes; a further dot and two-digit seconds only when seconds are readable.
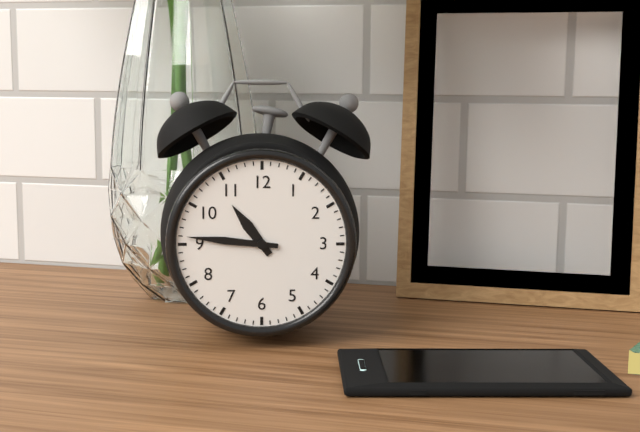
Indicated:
10.46
